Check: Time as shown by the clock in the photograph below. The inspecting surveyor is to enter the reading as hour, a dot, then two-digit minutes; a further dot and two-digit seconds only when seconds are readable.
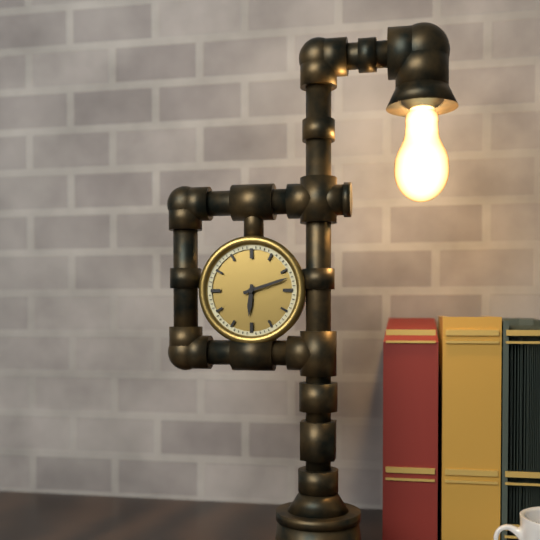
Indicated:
6.12
